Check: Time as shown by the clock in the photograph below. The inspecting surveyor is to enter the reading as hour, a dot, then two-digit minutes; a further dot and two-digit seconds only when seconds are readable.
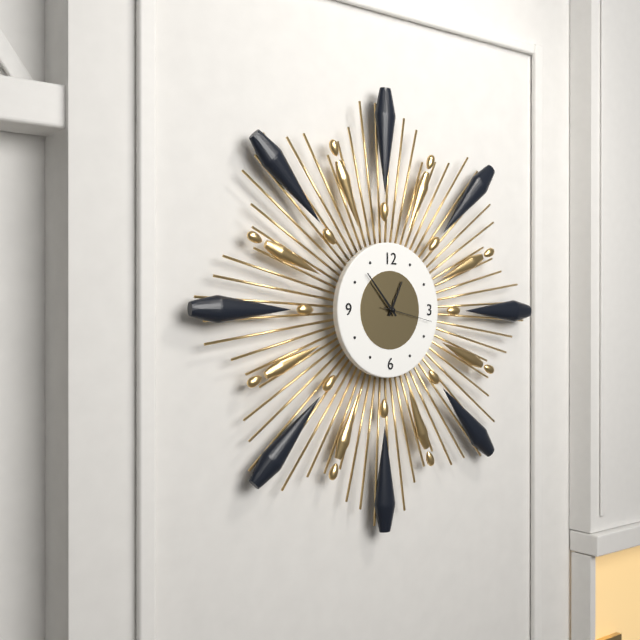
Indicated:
12.53.17
